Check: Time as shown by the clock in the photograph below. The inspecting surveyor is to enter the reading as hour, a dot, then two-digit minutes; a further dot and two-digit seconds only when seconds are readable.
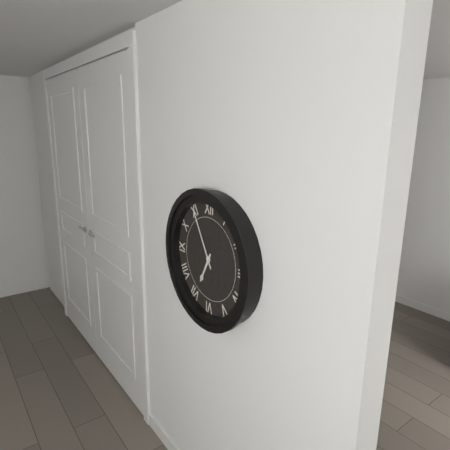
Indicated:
6.55
